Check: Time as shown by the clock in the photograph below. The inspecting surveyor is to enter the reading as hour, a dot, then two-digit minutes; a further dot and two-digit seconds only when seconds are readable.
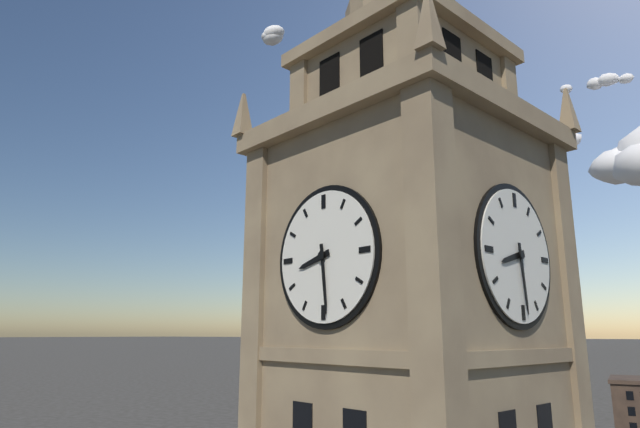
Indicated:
8.29
